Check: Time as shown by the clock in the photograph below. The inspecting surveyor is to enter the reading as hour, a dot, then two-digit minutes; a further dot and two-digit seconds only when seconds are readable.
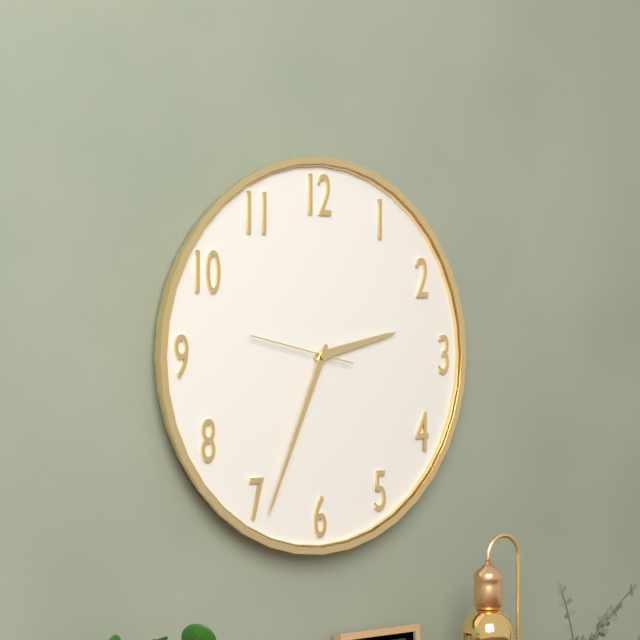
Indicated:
2.34.47
